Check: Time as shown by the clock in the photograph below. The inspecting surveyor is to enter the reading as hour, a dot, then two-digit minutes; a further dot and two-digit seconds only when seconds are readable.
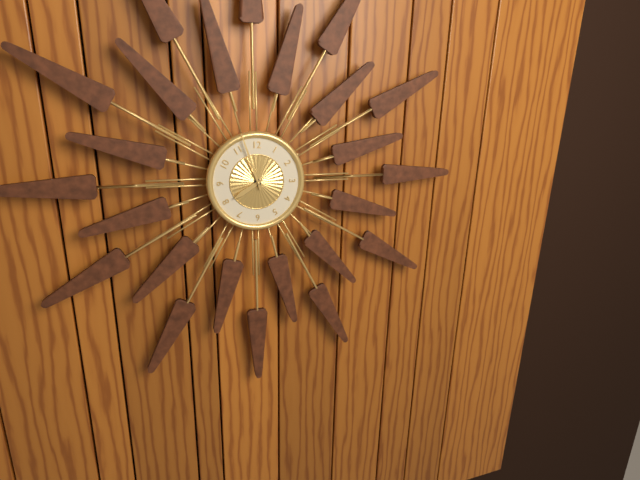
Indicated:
7.57
